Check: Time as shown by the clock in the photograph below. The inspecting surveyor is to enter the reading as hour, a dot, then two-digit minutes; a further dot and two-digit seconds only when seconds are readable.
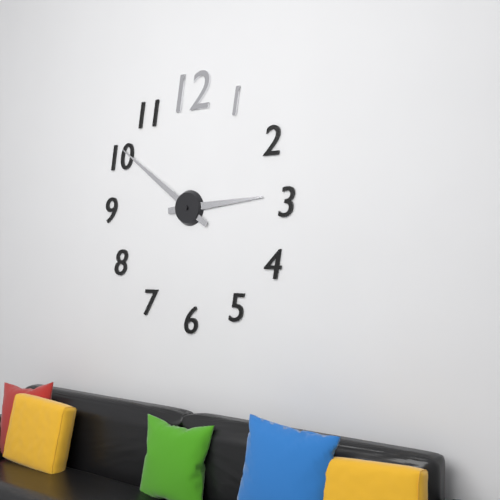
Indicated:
2.51
